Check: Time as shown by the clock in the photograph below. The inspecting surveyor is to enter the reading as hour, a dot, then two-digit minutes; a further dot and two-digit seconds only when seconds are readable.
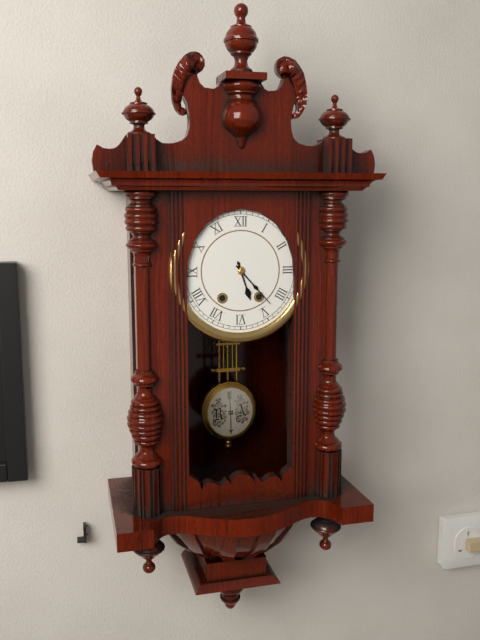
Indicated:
5.23
